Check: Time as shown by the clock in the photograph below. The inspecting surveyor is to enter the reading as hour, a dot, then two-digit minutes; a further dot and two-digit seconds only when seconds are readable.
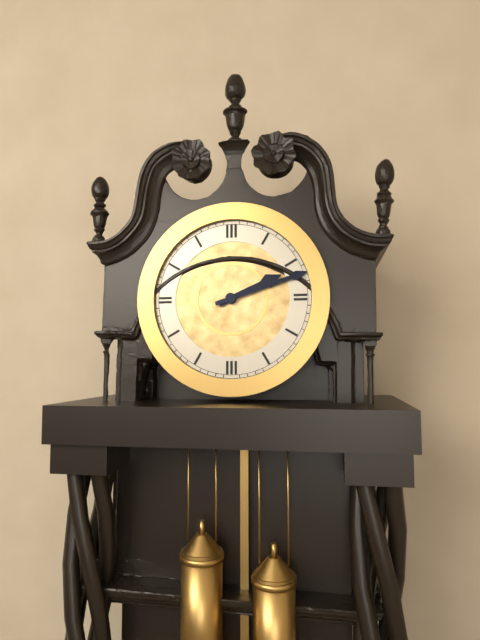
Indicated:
2.12
